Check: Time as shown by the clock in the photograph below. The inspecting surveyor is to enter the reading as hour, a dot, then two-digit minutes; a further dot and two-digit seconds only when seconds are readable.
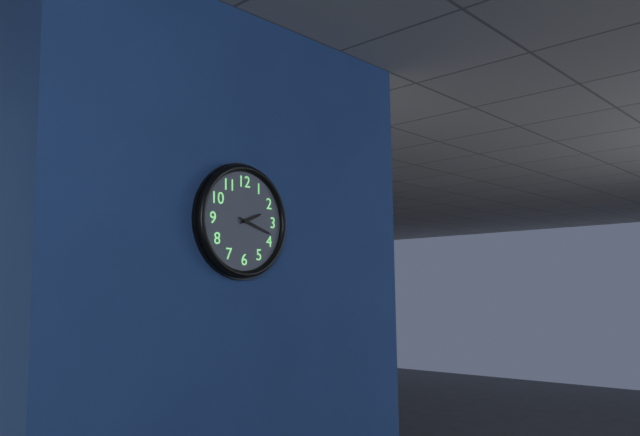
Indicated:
2.18
